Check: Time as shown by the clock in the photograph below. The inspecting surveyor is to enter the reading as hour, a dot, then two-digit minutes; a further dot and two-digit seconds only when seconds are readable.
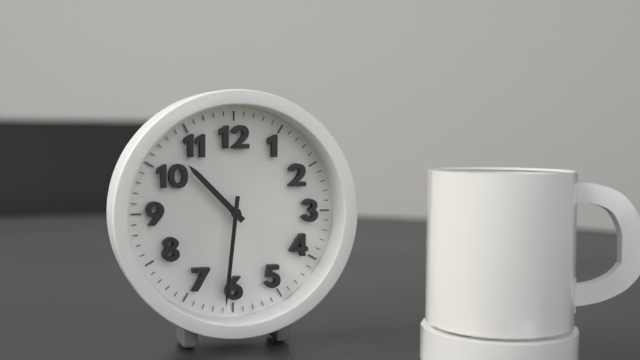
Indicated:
10.31
